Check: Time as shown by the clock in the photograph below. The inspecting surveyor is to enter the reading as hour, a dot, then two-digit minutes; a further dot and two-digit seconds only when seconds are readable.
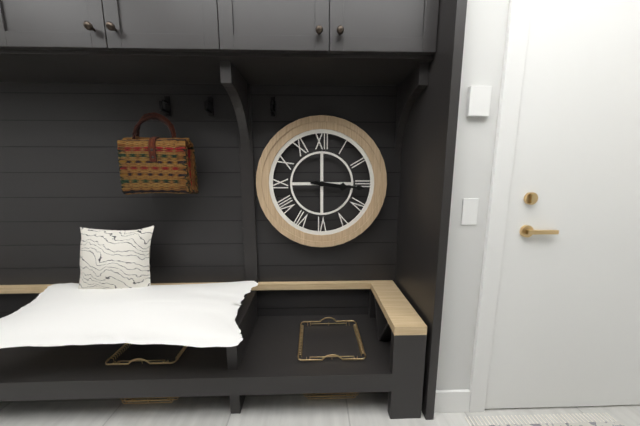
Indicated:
3.16
